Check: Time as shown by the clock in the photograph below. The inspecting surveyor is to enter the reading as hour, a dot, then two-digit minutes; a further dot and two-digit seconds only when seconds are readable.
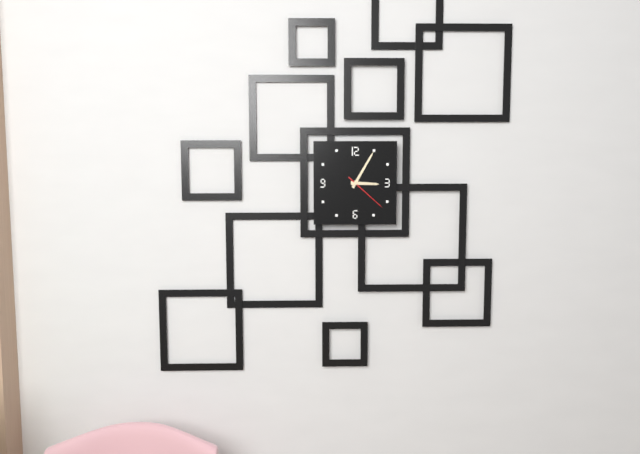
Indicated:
3.05
